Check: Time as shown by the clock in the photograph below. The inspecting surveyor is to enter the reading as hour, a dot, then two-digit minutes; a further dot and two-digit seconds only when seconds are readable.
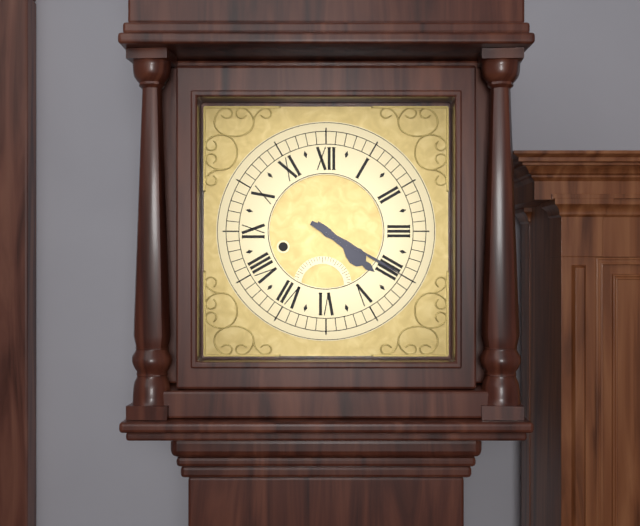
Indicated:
4.20
